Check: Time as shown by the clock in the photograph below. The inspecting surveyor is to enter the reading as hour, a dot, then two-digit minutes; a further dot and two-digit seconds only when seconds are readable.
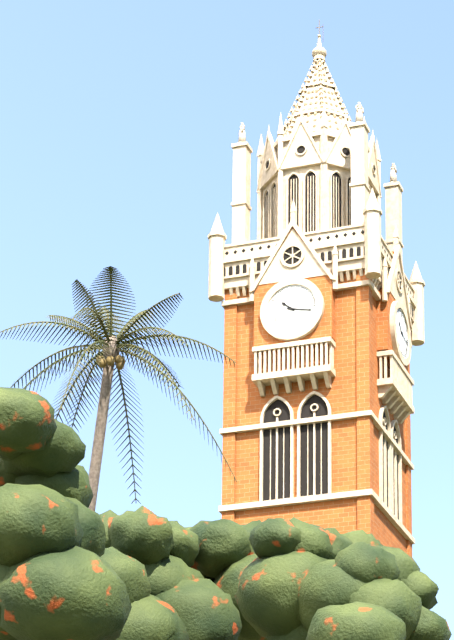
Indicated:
10.17
